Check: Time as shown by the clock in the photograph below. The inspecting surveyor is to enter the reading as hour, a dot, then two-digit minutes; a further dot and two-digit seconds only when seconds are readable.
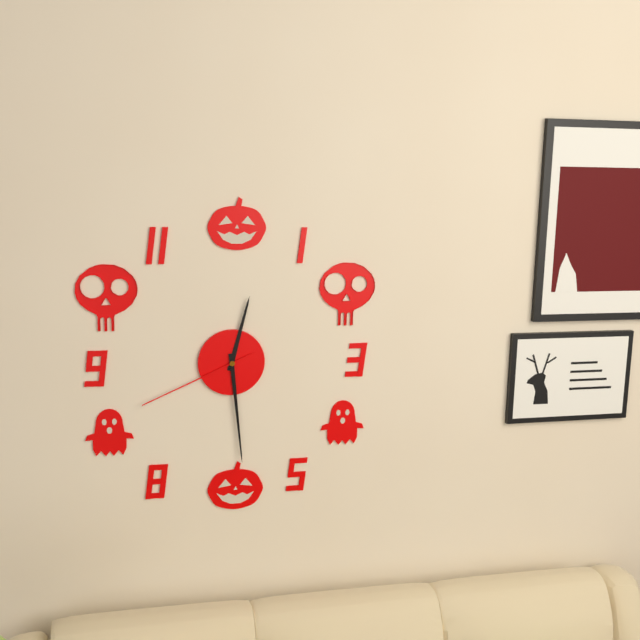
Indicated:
12.29.41
